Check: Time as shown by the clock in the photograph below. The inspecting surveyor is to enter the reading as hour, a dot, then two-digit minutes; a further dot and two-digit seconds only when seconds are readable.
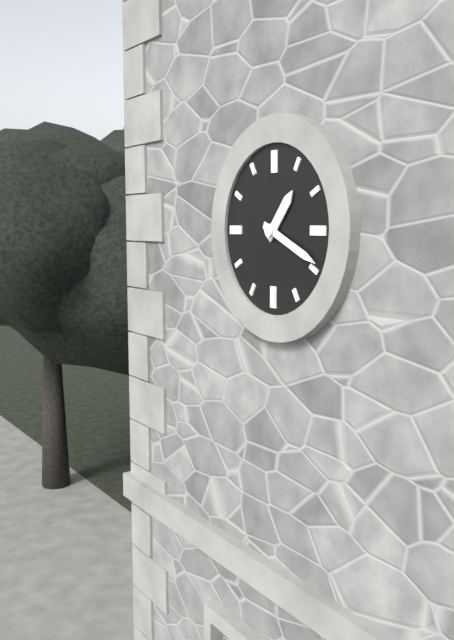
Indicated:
1.19
